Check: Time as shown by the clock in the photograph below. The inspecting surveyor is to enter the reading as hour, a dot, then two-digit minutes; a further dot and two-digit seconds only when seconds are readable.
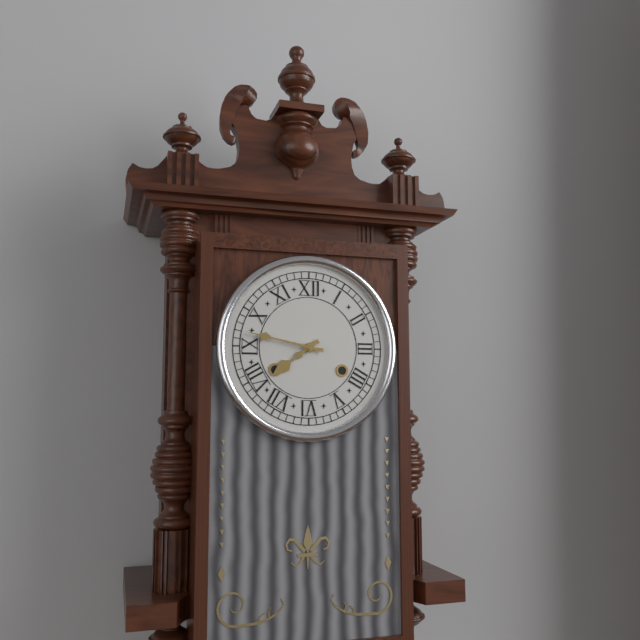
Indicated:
7.47
